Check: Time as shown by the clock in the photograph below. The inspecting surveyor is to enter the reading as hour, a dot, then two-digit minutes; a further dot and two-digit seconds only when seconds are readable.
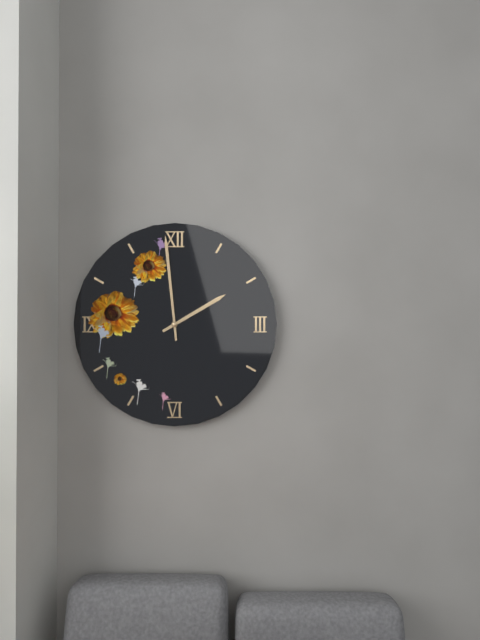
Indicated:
1.59
